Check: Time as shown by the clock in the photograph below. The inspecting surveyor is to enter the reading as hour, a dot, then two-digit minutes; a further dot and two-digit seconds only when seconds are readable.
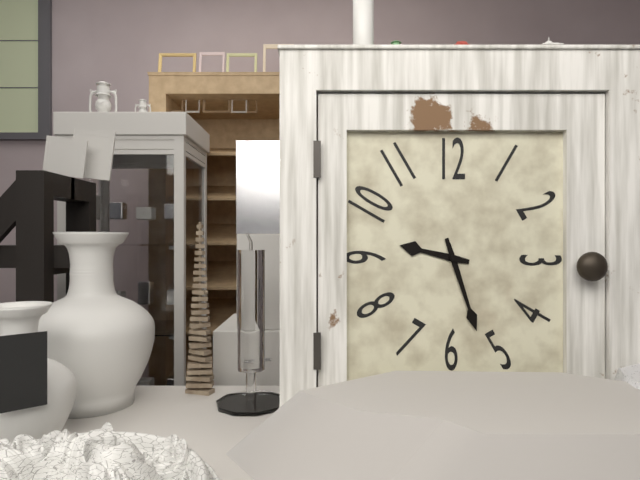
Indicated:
9.27
